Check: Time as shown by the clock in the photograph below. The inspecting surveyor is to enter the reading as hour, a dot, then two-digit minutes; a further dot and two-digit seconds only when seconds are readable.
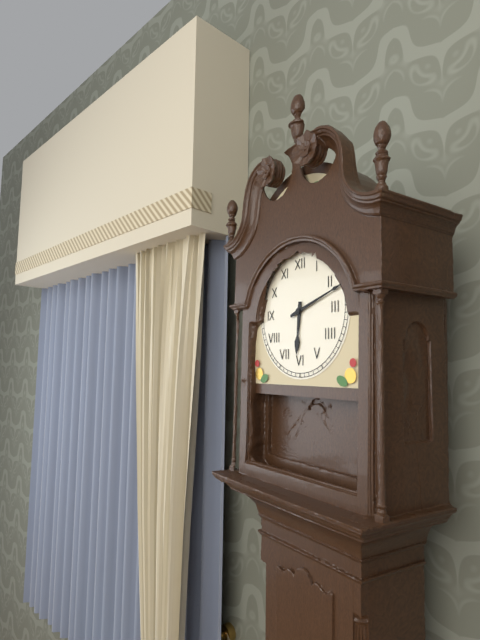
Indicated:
6.12
